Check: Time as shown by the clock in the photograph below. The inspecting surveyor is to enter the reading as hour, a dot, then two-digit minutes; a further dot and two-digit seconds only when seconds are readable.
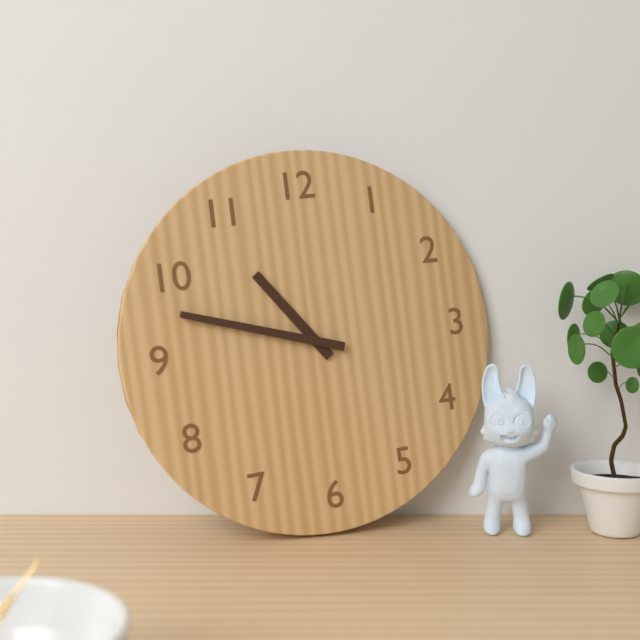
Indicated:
10.48
